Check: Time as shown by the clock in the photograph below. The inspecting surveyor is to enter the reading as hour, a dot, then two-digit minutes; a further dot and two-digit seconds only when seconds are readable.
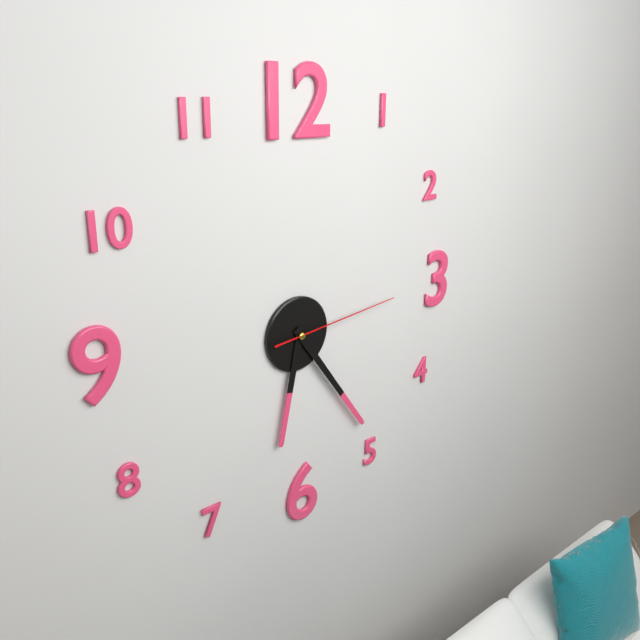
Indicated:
6.24.14
